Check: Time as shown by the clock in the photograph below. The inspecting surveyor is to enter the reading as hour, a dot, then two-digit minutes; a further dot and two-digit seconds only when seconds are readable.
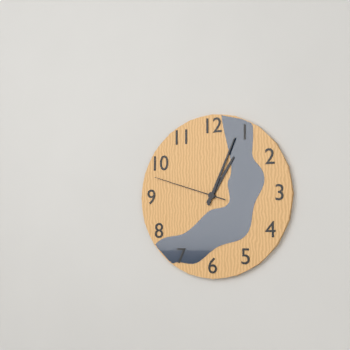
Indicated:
1.04.48
